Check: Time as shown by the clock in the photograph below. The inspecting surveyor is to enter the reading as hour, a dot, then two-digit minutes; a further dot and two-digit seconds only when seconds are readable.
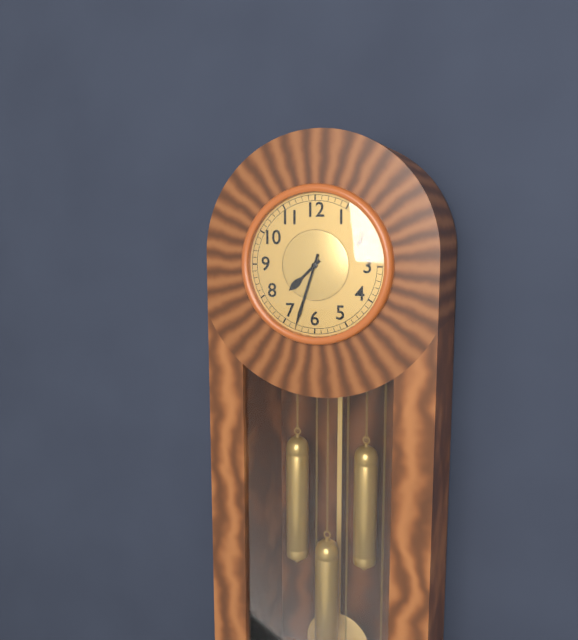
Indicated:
7.33
